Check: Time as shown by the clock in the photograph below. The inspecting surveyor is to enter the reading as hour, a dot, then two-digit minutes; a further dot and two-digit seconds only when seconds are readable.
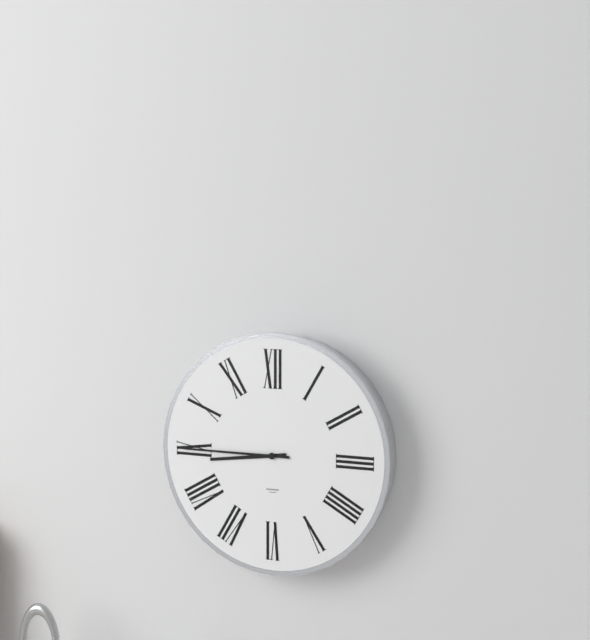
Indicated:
8.45
